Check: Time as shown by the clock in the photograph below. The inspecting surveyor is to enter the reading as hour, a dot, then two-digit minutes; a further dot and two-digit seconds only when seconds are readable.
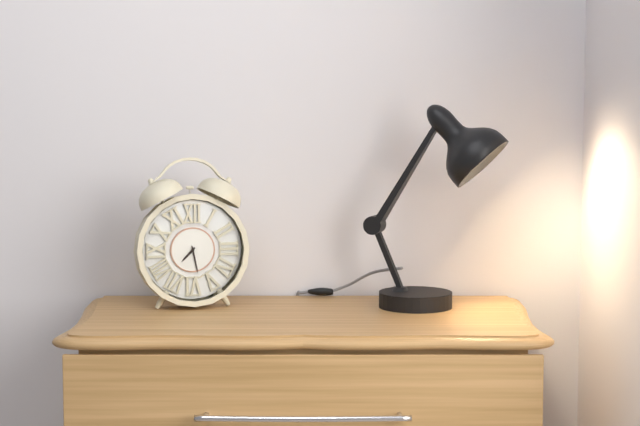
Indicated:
7.28
